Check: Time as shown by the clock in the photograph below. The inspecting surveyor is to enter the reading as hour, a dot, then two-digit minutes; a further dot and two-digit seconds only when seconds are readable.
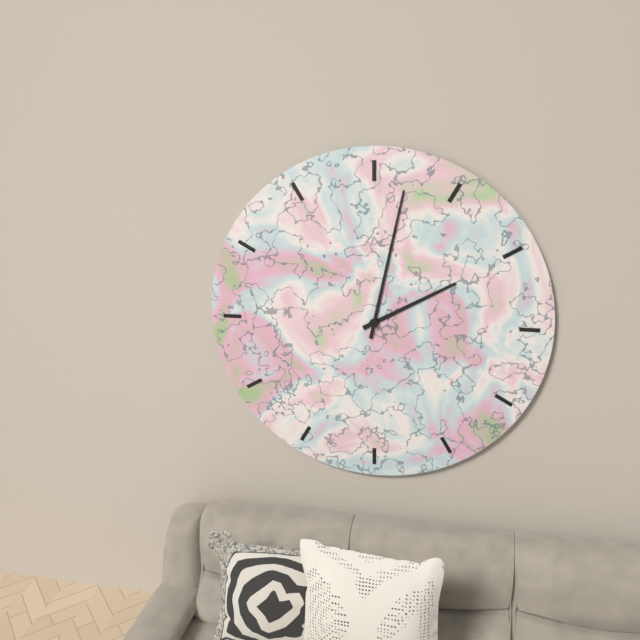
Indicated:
2.02
